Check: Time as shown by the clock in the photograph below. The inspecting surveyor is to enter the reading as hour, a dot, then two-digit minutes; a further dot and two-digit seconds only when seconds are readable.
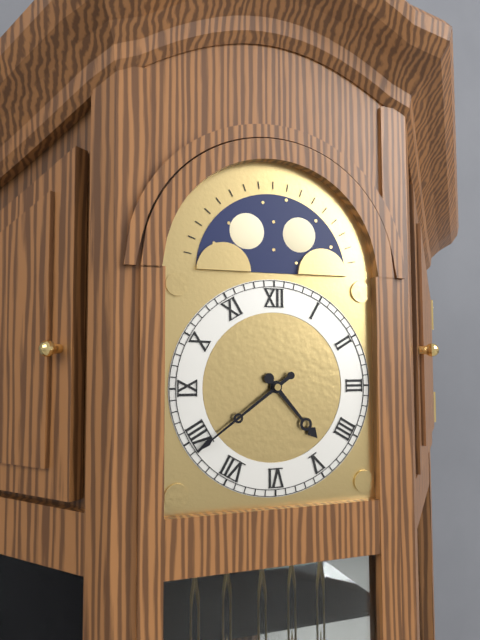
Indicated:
4.39
